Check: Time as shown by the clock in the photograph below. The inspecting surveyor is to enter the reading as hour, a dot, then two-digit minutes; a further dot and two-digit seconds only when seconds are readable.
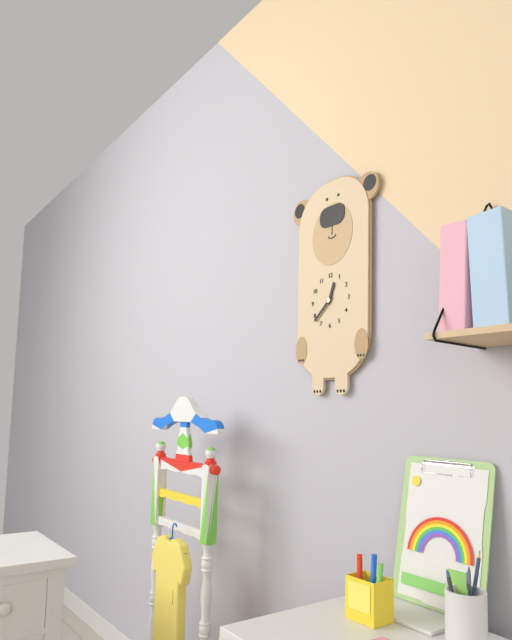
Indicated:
12.38
